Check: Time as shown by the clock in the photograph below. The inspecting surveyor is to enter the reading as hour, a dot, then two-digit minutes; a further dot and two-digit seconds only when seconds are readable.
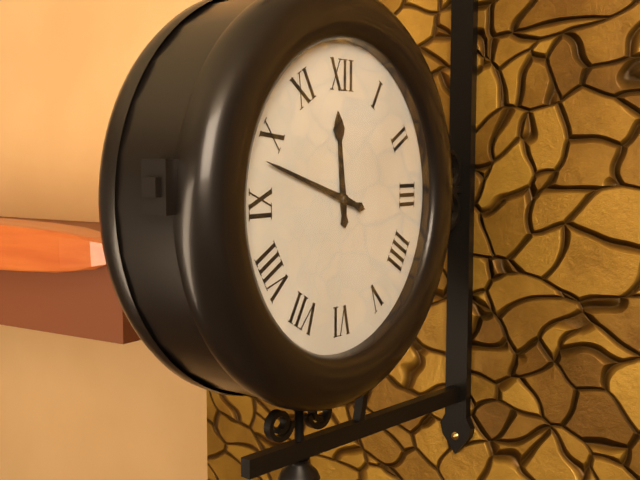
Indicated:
11.48
